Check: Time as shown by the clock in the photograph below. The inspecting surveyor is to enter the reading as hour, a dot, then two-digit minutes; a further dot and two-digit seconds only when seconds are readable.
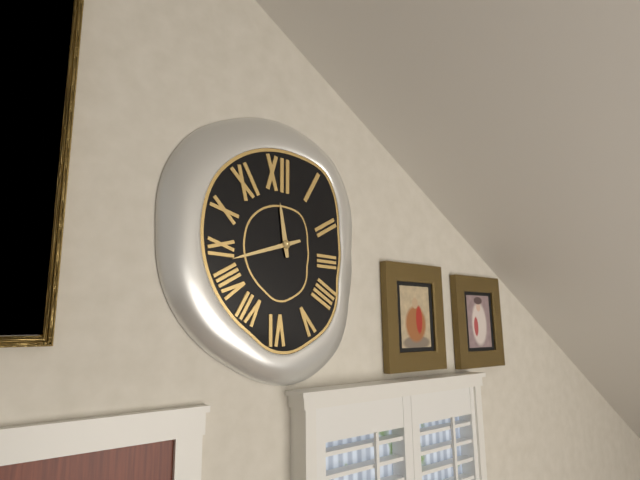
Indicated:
11.42
